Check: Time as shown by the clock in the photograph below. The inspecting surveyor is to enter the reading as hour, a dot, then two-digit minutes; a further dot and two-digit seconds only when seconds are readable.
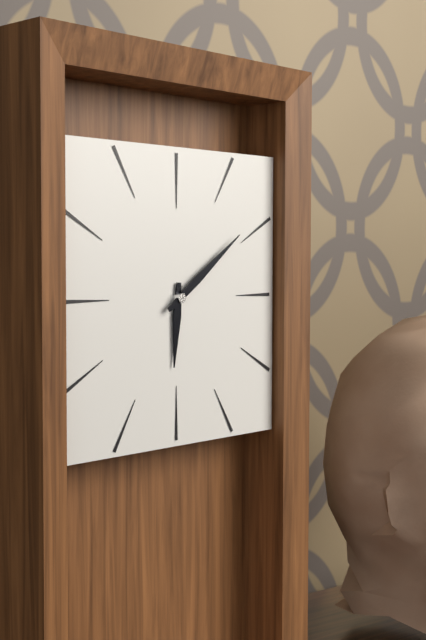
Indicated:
6.09
